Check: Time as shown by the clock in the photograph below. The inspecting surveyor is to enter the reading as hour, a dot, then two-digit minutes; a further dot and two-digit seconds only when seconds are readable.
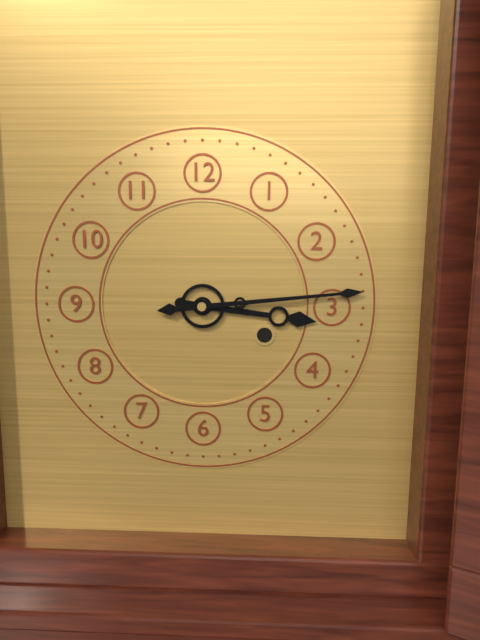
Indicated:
3.14
